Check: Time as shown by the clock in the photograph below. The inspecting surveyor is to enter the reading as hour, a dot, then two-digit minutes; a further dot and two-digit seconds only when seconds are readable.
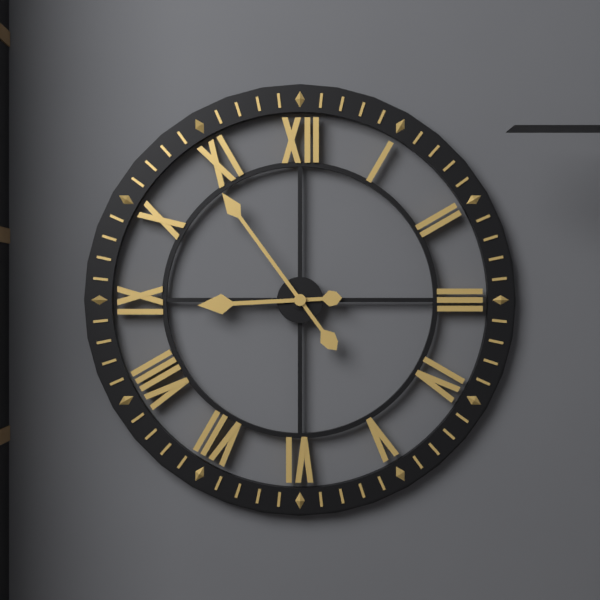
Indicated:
8.54
